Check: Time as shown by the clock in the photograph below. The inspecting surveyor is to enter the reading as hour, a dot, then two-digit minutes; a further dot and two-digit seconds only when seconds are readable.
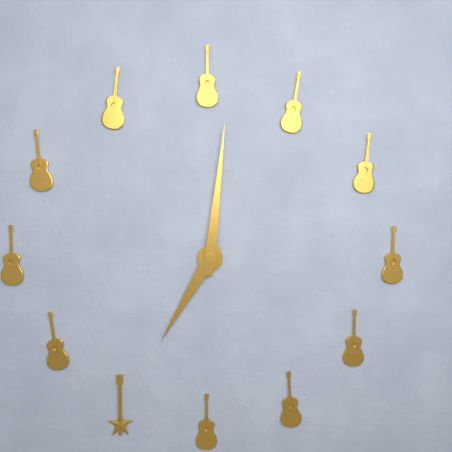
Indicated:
7.01
